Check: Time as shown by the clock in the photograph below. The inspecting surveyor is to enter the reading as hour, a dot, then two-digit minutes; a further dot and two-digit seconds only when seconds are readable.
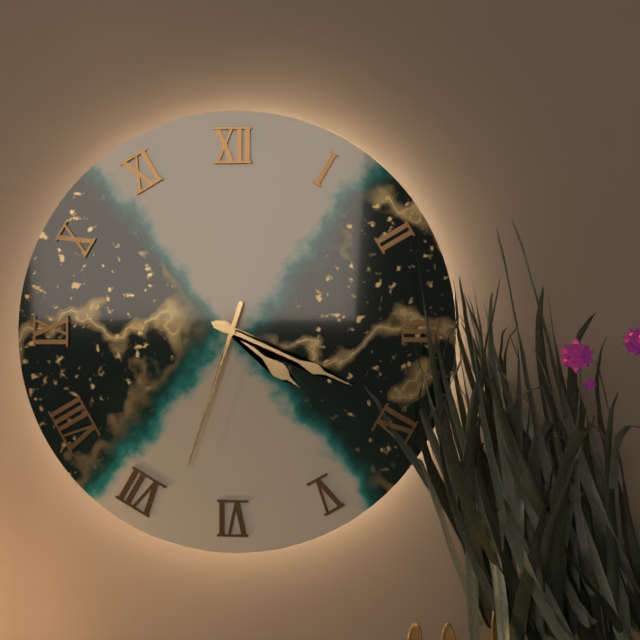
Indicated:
4.19.33
